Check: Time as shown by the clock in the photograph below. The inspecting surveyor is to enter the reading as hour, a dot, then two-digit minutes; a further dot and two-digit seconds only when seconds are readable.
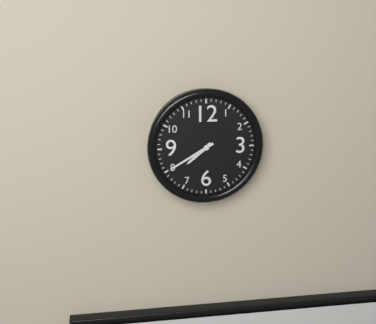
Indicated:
7.40
